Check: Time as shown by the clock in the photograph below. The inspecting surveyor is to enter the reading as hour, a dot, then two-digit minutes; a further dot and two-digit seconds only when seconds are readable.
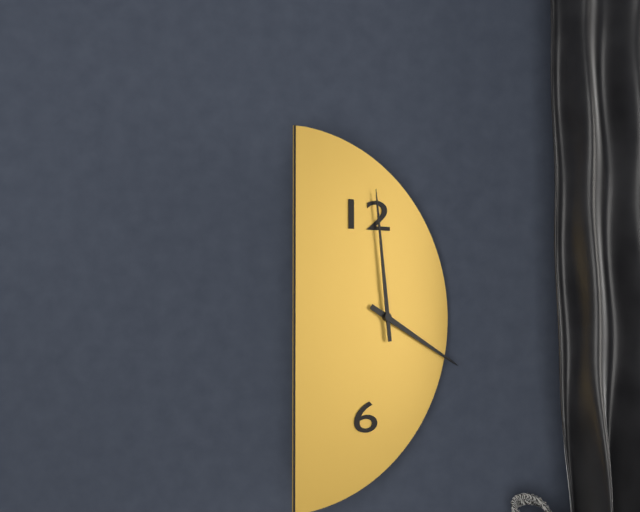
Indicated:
3.59
